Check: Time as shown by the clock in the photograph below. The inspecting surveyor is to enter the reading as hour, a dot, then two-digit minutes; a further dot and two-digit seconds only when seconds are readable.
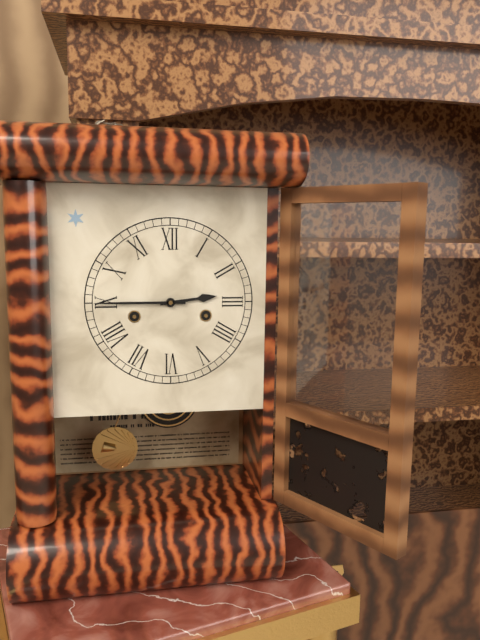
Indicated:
2.45
